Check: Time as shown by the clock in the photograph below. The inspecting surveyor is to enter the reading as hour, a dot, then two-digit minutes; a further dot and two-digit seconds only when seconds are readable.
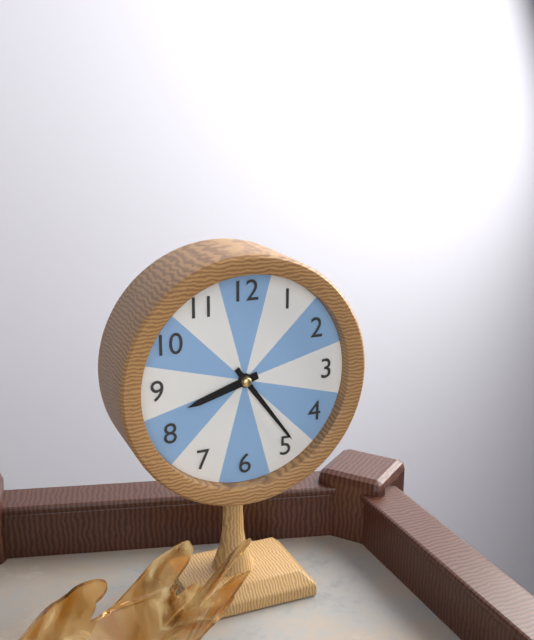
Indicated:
8.24
